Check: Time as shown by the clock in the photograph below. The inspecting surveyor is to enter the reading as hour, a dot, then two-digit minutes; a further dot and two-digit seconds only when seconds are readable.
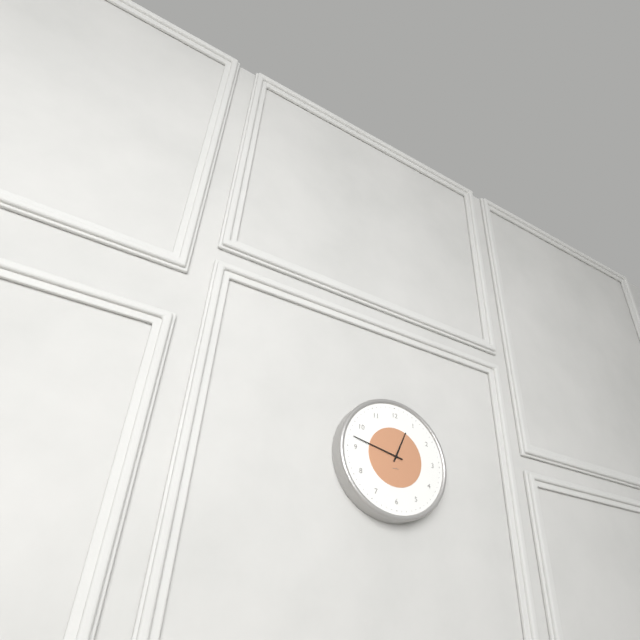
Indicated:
12.47
